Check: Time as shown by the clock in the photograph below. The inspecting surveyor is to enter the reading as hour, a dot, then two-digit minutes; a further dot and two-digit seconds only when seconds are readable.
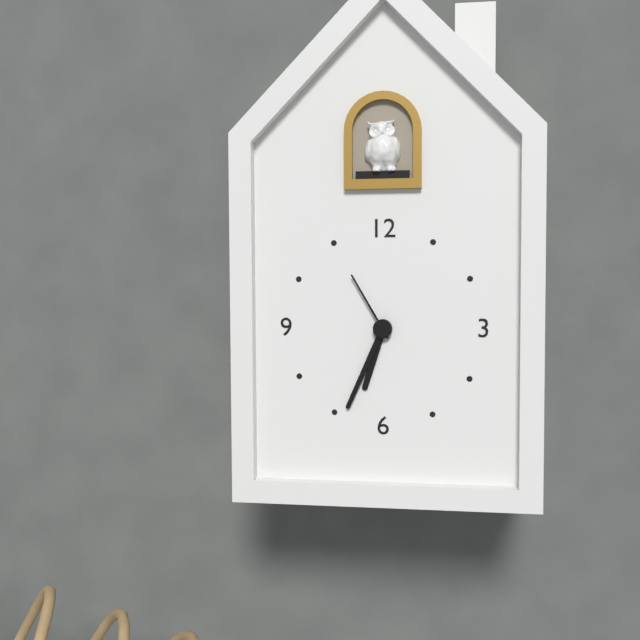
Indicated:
6.34.55
